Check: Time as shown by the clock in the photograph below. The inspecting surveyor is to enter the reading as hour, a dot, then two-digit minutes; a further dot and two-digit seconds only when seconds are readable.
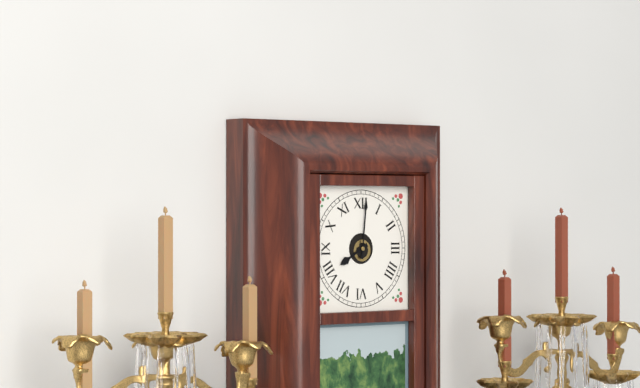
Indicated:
8.01
